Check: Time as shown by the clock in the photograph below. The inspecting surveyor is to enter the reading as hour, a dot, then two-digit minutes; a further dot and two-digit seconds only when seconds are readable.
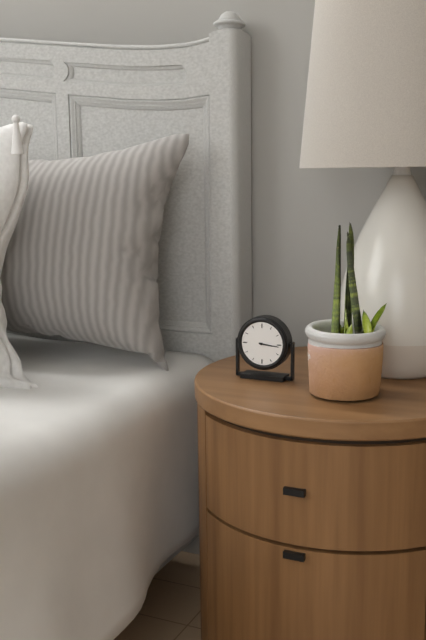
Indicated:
3.16
